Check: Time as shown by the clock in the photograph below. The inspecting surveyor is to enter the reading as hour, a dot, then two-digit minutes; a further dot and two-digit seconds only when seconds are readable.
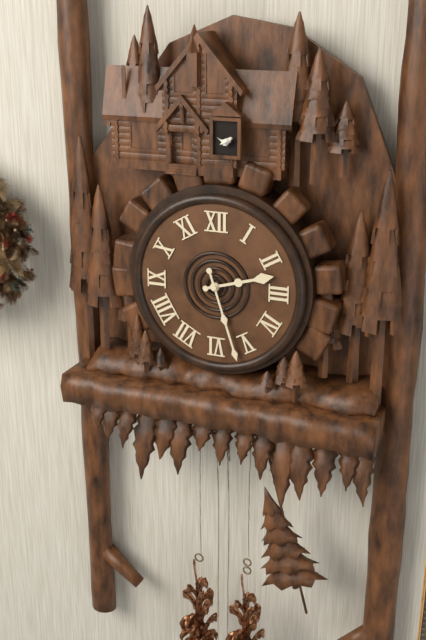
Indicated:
2.27
